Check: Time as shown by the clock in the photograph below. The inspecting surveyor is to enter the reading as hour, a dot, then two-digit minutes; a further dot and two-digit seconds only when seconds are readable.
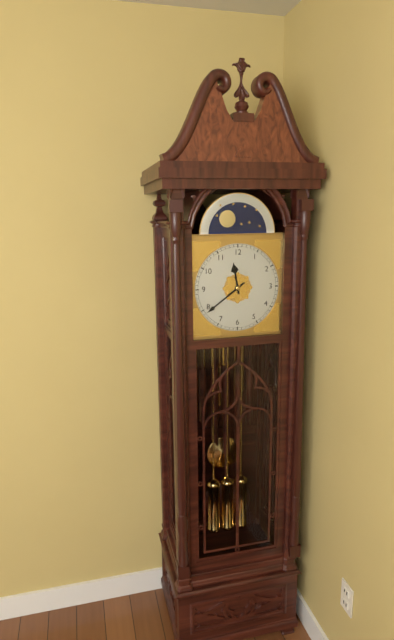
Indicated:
11.39
